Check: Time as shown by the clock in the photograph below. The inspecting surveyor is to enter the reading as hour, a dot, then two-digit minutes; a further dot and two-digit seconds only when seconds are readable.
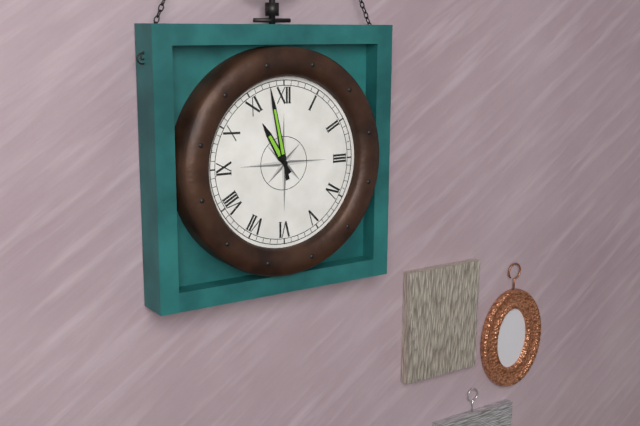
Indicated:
10.58
